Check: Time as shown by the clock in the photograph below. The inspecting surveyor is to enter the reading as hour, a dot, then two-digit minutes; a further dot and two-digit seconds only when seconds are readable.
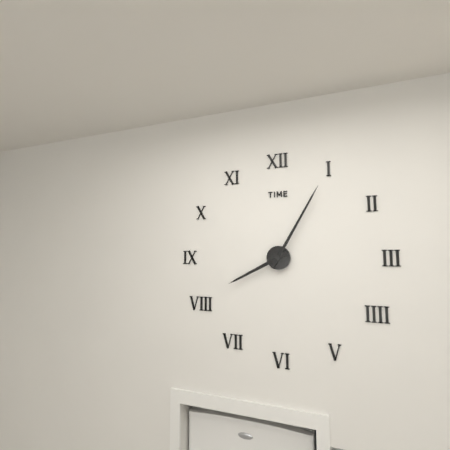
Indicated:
8.05
